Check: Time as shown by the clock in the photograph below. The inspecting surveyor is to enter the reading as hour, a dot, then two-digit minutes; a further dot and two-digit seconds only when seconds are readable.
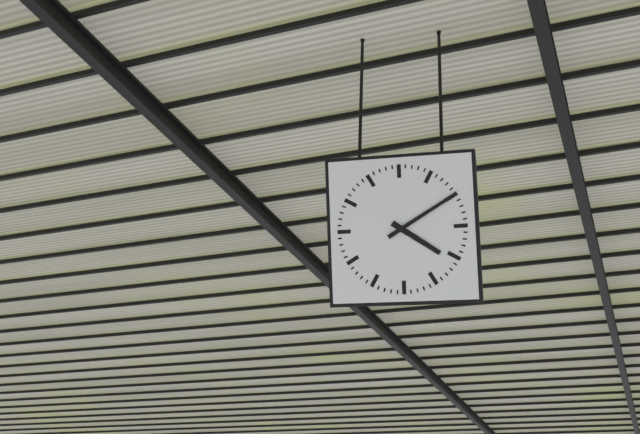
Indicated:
4.10
